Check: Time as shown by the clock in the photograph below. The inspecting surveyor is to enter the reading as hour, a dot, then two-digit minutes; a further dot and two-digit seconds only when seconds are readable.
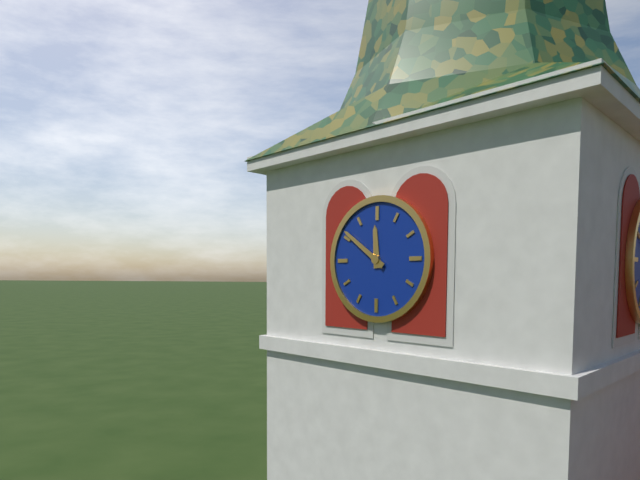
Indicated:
11.51
